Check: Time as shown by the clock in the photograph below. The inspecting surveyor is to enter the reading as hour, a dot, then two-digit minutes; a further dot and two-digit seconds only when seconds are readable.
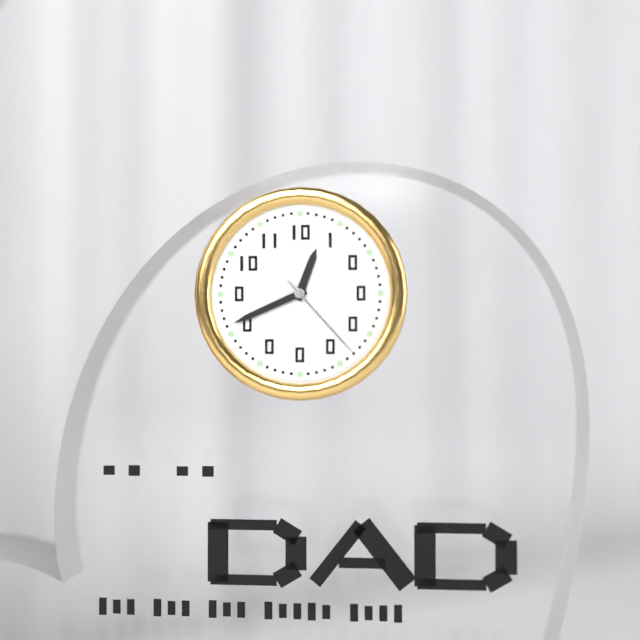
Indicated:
12.41.23
